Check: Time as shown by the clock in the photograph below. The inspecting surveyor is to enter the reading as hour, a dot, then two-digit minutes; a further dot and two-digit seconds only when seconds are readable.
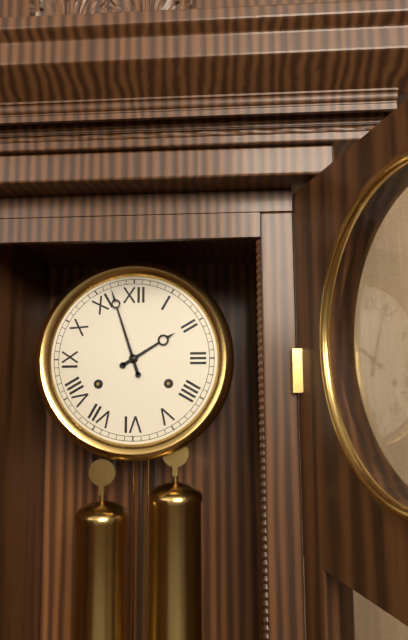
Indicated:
1.57
